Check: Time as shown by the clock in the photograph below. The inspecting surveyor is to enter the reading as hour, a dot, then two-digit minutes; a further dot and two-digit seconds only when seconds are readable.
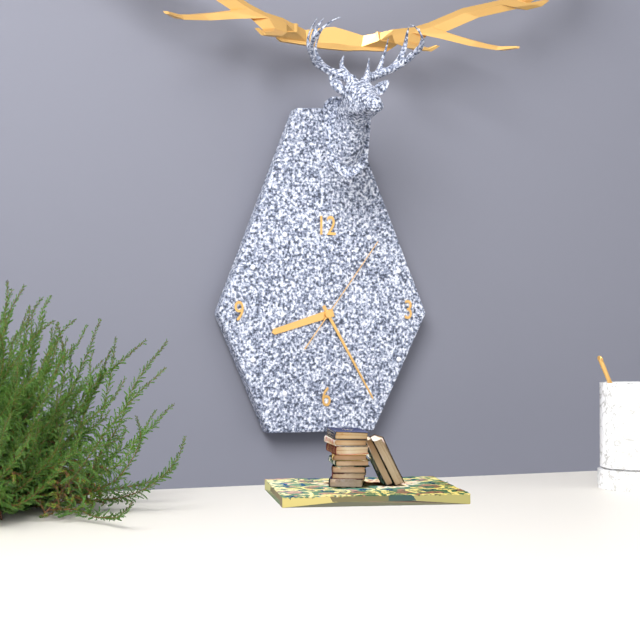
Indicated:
8.25.06
